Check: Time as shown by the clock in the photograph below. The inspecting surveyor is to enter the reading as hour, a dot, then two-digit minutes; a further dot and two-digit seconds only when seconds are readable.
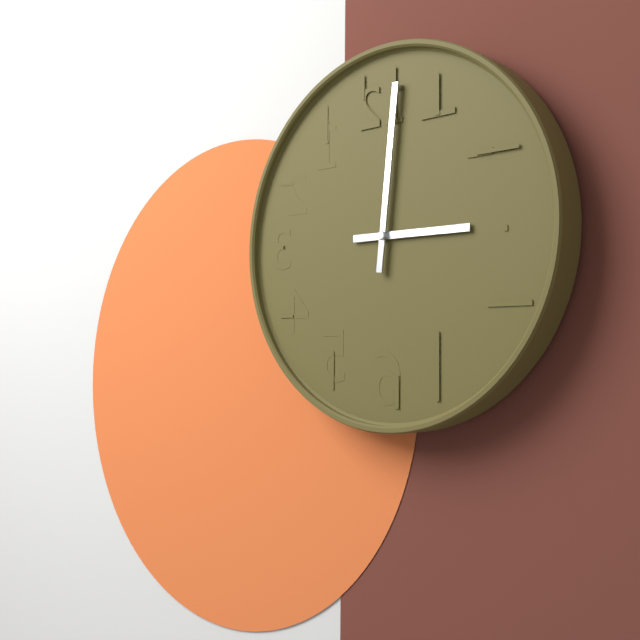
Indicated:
3.01
